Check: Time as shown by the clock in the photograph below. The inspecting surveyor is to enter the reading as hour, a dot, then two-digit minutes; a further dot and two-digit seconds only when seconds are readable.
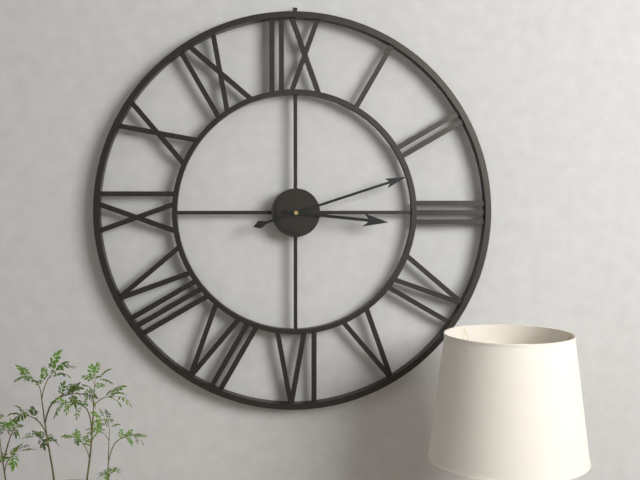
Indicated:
3.12
